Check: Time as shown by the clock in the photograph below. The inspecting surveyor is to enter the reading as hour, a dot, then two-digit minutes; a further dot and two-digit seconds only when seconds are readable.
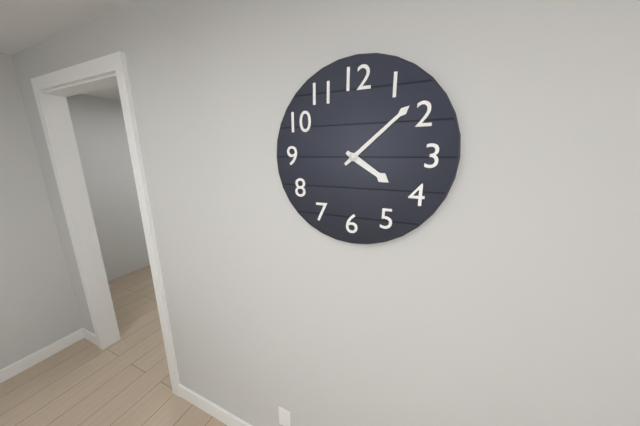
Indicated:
4.08
